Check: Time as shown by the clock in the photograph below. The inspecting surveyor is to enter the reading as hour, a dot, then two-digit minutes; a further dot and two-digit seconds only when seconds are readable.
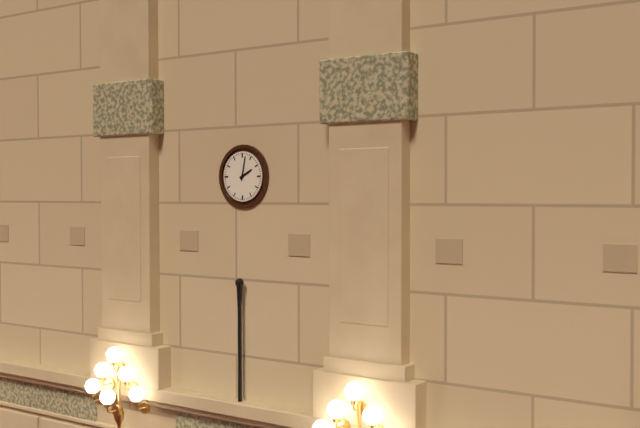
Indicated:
2.02
